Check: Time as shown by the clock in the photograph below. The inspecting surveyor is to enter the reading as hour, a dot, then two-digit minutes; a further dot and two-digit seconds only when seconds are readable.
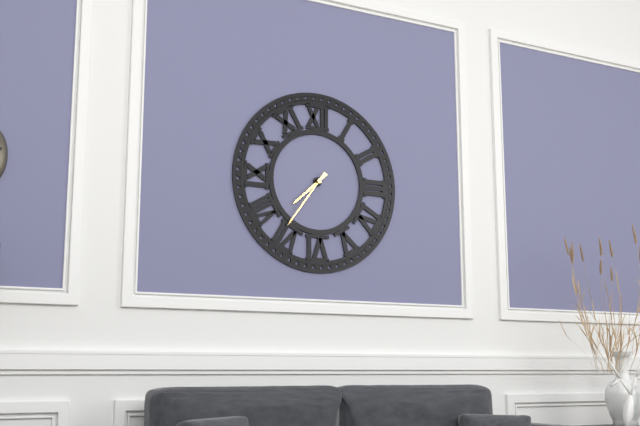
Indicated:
7.36
